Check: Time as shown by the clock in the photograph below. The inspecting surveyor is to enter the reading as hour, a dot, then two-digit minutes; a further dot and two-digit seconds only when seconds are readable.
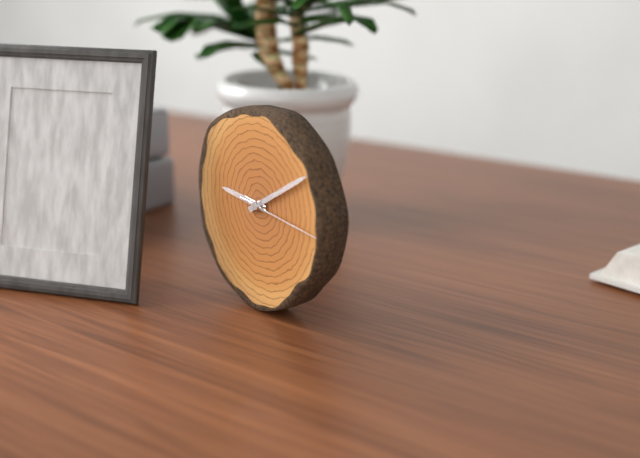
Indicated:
9.10.16
